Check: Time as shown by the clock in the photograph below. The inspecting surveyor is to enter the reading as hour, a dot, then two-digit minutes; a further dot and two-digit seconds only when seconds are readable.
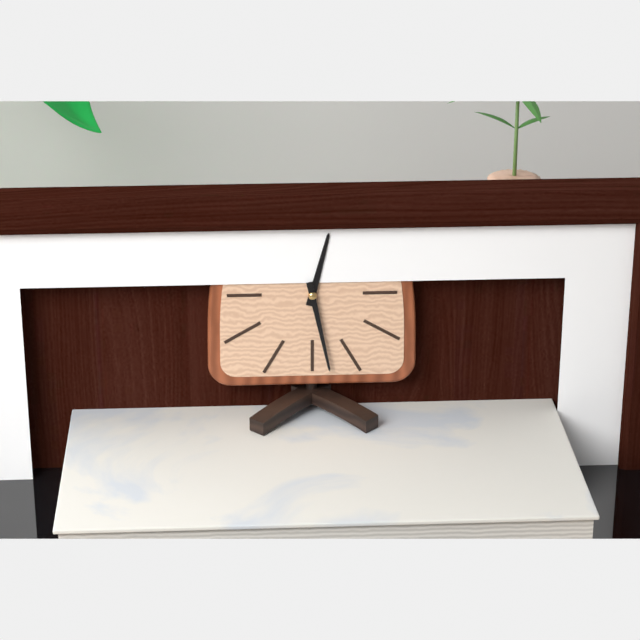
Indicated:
12.28
